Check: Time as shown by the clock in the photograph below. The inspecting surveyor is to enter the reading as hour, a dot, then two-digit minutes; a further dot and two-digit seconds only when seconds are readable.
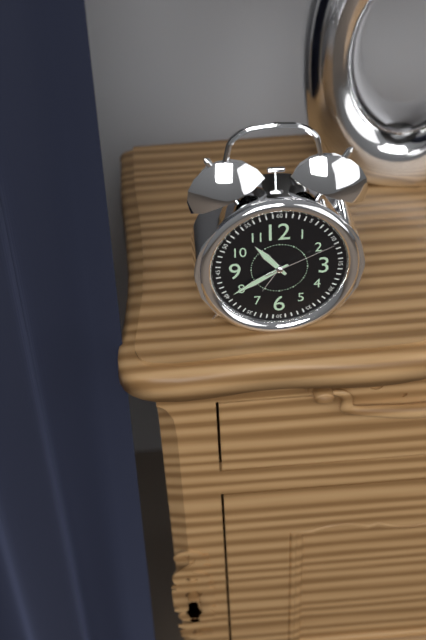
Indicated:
10.40.11
